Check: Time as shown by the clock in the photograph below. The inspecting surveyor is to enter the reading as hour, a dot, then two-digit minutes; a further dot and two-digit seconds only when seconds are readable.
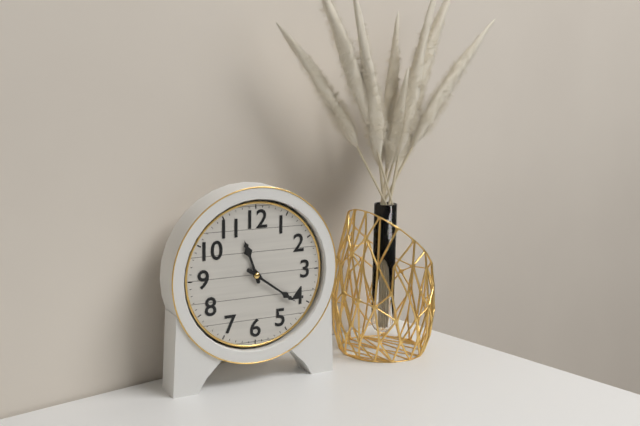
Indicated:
11.21
